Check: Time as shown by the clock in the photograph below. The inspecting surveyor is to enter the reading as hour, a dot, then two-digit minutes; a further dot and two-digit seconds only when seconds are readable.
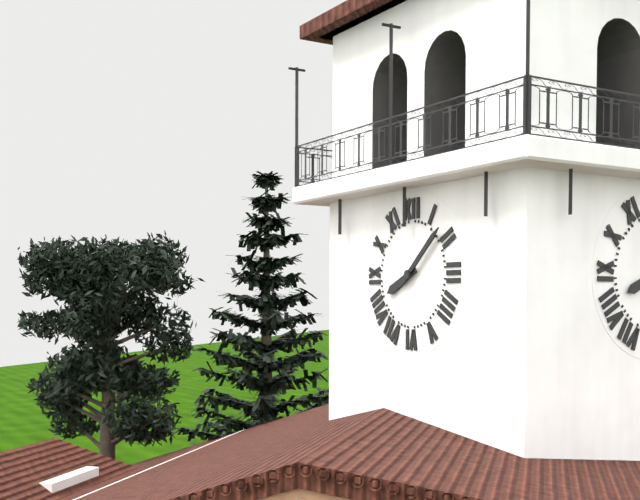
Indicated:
8.08
